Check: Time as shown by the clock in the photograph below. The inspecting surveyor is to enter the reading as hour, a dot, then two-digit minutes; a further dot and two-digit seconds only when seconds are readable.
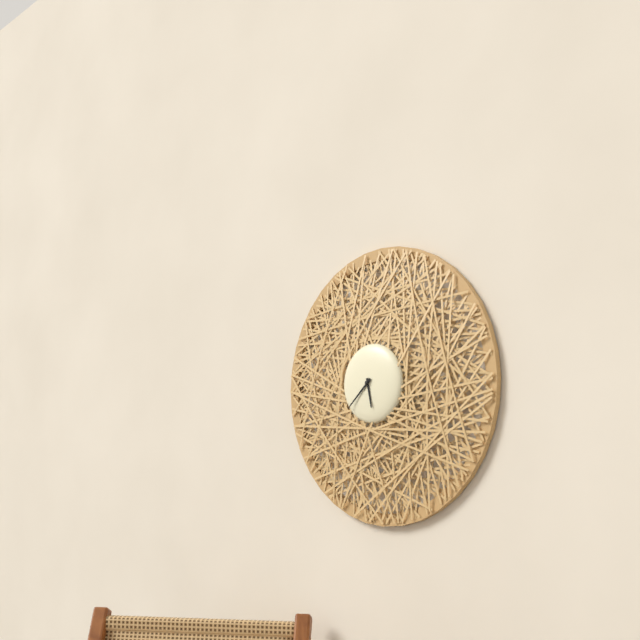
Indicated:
5.38
